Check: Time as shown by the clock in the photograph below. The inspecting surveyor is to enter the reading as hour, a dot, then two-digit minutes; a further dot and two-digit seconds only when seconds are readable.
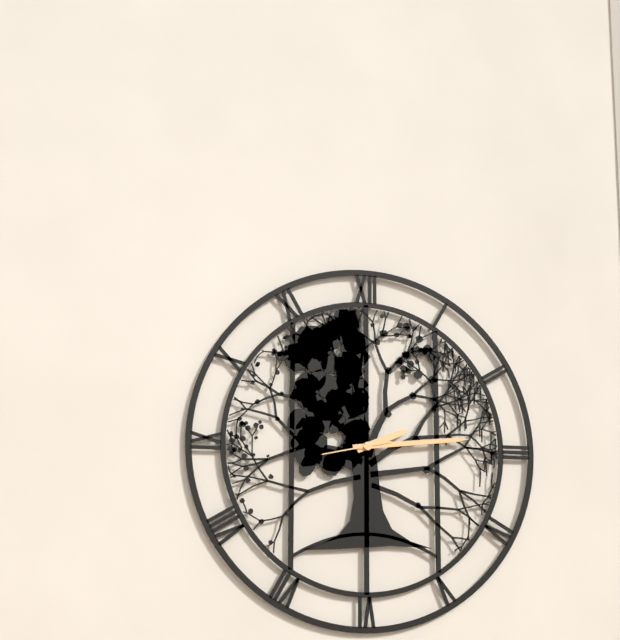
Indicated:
2.14.43
